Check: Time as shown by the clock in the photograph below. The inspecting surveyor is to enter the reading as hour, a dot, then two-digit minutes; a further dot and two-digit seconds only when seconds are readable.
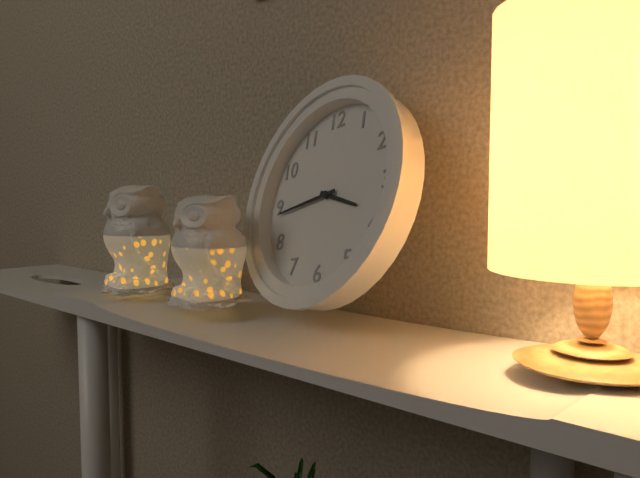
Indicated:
3.44
